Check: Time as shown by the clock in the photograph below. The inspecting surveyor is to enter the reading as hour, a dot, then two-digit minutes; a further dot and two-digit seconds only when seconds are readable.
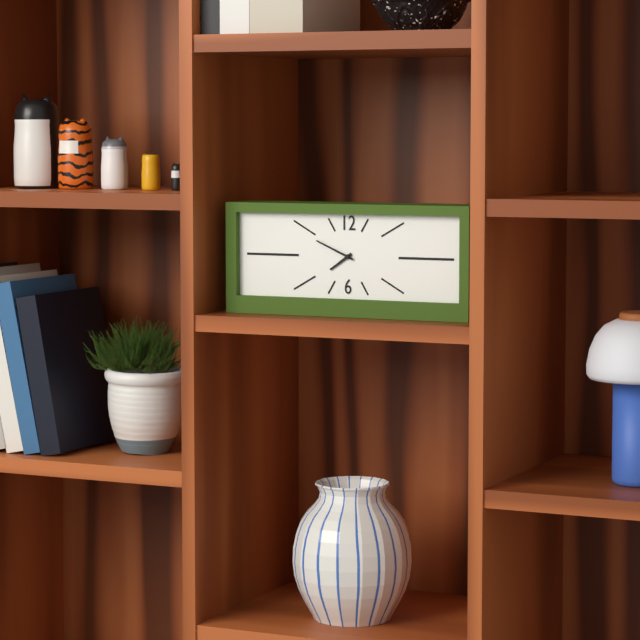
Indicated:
7.49
